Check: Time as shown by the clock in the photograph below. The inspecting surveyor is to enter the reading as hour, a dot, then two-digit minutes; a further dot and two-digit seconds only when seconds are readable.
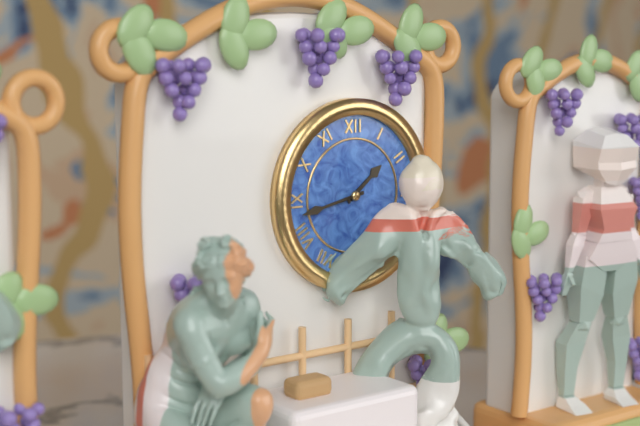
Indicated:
1.43
